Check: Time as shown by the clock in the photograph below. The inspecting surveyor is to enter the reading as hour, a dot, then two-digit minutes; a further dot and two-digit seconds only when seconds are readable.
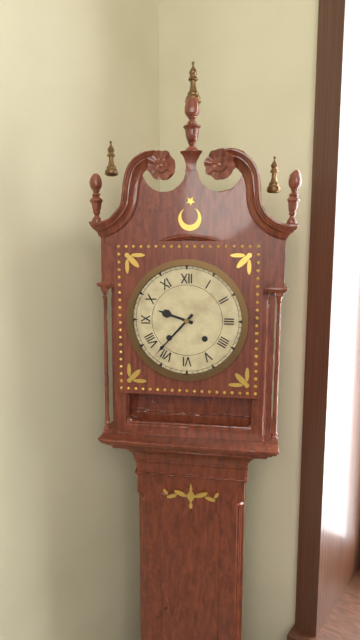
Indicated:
9.37
